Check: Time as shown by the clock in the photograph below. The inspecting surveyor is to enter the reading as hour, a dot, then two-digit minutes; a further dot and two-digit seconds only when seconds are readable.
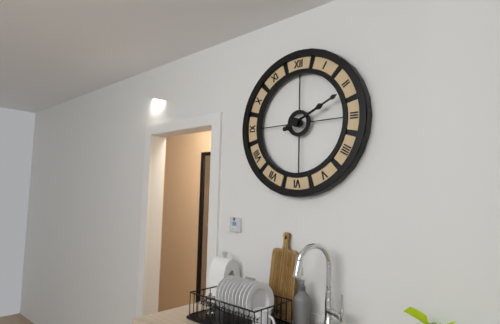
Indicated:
2.11
